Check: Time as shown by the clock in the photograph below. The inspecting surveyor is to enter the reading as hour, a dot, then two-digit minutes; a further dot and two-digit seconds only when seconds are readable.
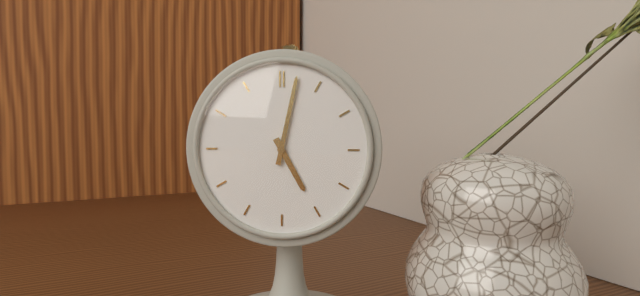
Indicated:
5.02
